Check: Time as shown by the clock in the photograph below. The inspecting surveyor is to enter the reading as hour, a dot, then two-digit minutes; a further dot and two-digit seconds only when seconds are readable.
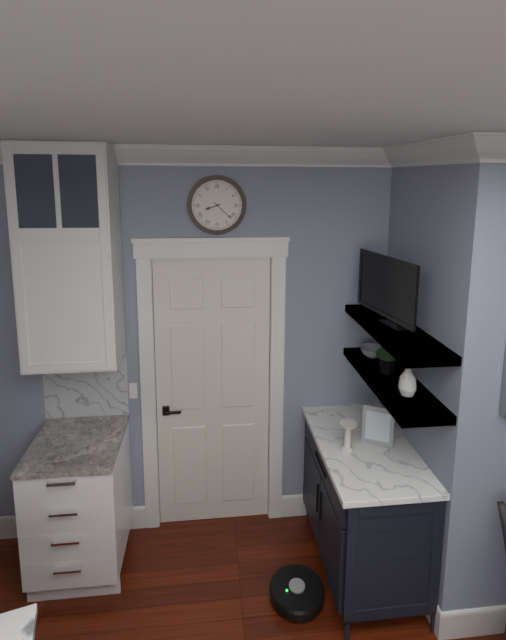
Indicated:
8.22
